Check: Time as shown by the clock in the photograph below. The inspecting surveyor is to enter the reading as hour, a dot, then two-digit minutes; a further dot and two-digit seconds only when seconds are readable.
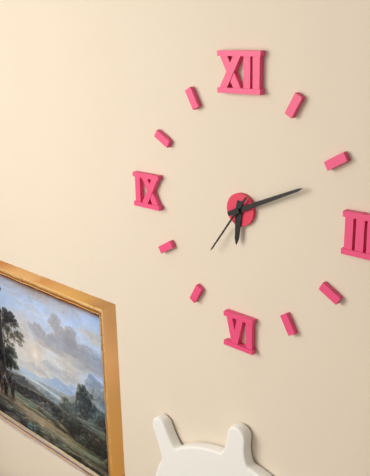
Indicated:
6.11.36
